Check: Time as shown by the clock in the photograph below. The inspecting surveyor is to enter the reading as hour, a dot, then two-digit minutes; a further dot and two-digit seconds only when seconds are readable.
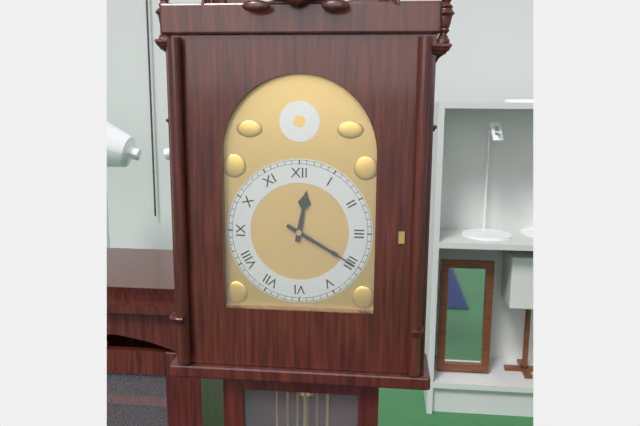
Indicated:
12.20
